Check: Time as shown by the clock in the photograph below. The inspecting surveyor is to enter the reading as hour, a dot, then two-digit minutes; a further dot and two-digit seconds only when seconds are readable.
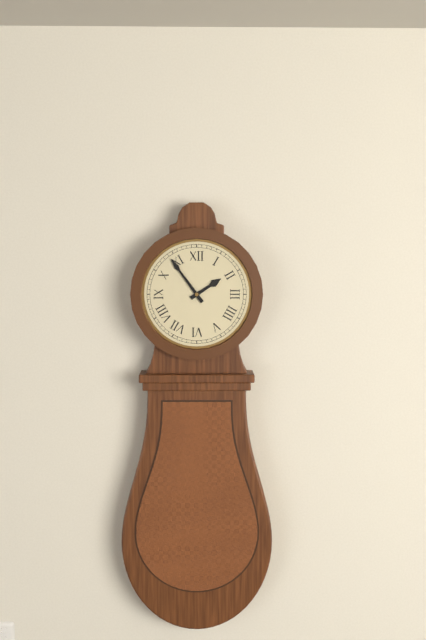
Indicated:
1.54
